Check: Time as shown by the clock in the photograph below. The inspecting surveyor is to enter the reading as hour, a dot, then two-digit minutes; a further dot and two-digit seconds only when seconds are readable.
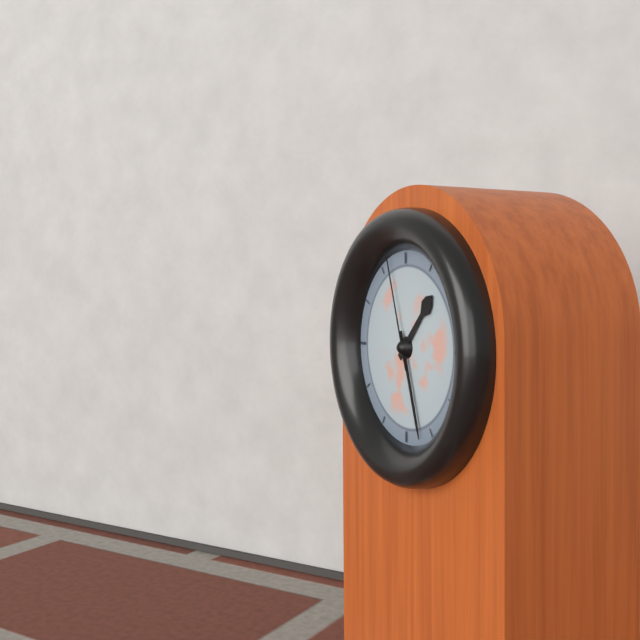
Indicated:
1.27.57
